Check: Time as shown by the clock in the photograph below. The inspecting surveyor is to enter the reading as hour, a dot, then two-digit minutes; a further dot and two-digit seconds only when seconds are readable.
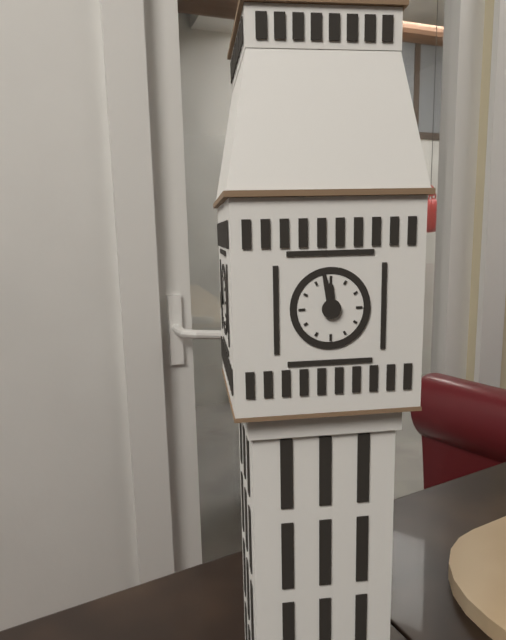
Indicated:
11.58
